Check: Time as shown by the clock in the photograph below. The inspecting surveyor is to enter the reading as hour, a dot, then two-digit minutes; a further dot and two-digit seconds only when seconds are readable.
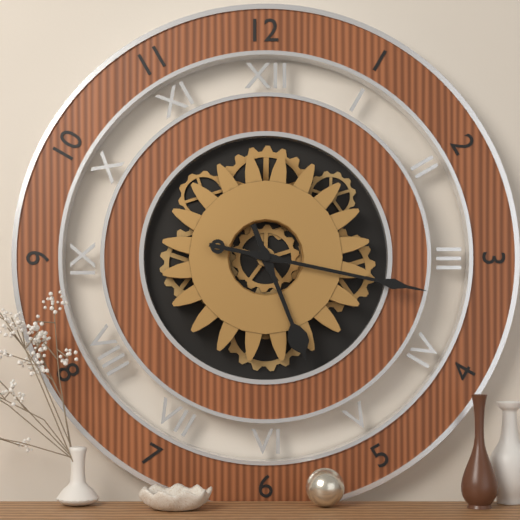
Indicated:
5.17
